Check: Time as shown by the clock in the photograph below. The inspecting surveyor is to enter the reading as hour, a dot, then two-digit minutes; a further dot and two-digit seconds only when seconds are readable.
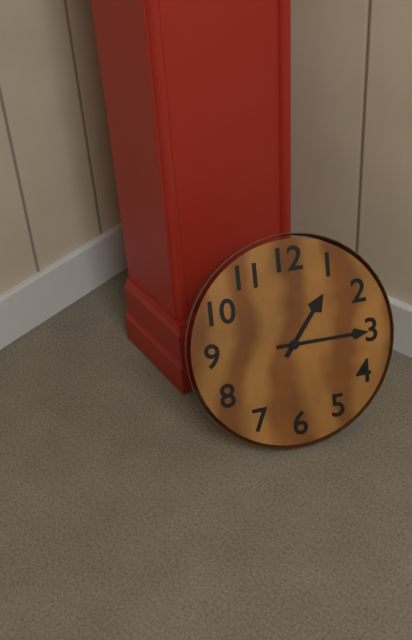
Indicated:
1.15
